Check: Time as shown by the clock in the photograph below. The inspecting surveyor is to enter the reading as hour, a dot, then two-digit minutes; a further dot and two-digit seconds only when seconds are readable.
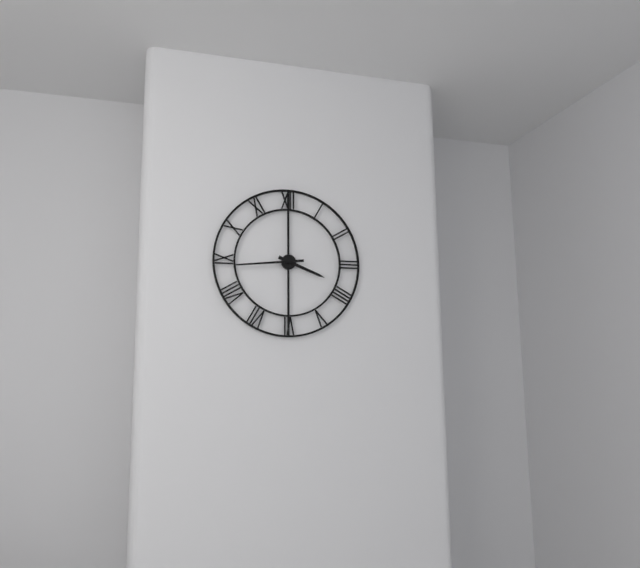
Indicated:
3.44
